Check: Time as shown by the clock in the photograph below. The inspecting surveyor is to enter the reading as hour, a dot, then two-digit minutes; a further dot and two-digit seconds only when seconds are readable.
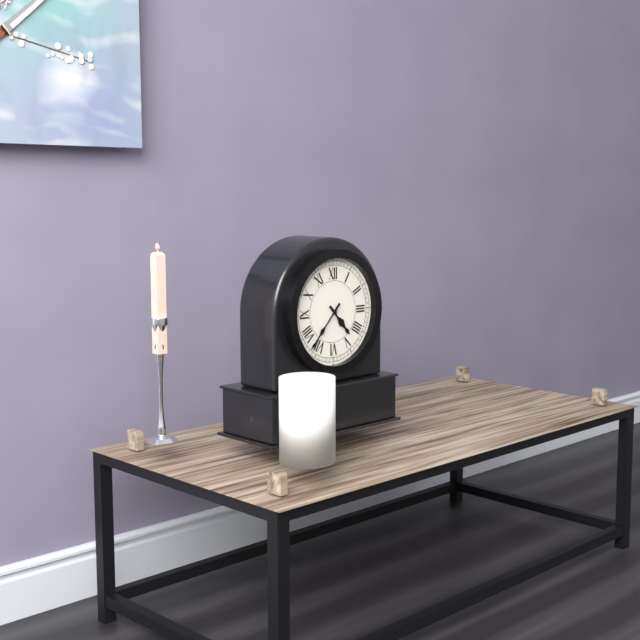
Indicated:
4.37
